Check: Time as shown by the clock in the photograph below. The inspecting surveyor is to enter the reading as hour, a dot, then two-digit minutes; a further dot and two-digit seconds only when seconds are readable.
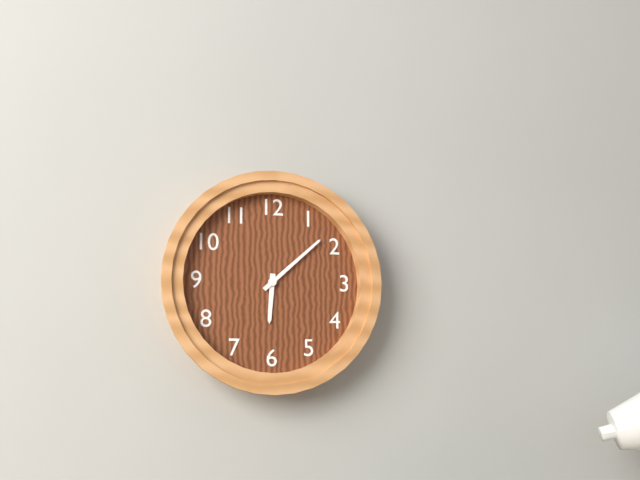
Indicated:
6.08
